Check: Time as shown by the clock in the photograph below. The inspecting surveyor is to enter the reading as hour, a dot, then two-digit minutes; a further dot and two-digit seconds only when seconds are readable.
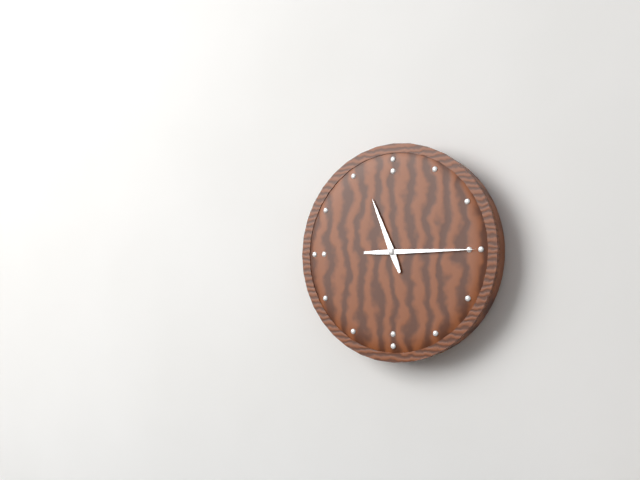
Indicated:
11.15
